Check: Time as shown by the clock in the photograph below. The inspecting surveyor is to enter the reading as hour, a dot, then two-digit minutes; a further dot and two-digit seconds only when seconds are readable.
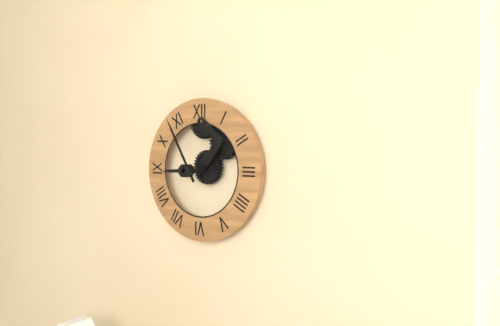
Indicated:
8.55
